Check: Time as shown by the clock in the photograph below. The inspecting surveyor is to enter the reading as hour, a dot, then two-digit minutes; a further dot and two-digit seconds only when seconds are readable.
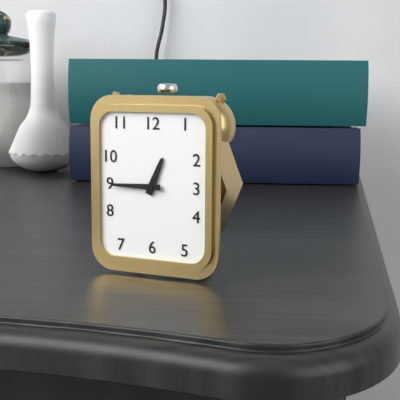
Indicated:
12.45
